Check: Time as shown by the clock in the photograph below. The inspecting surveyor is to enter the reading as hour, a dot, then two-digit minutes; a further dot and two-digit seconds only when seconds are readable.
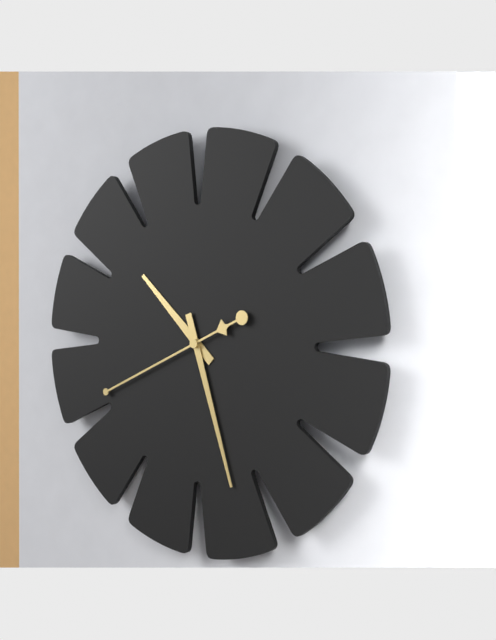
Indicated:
10.27.41
